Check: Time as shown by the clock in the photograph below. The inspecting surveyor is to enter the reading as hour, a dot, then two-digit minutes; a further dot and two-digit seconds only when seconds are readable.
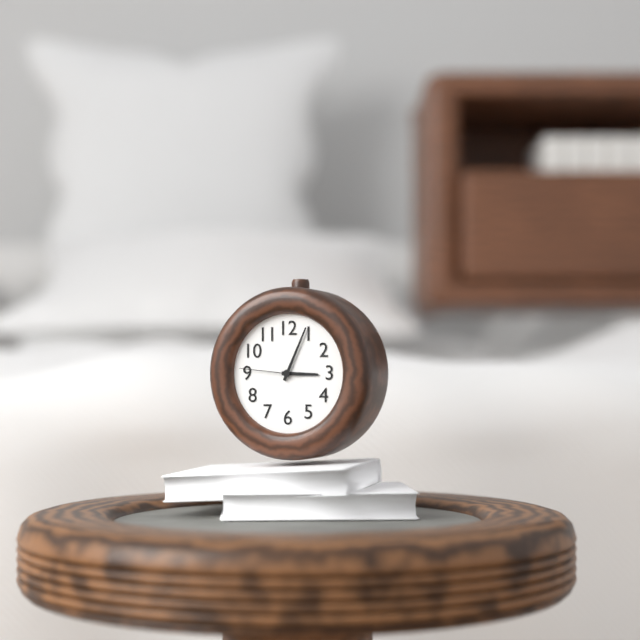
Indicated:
3.04.46
